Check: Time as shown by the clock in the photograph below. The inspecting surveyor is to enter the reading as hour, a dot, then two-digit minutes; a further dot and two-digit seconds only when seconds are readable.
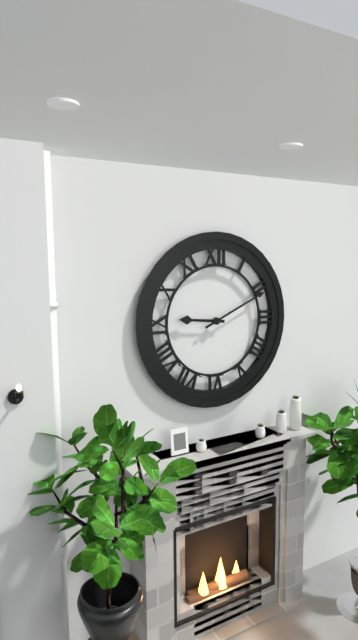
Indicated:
9.11
